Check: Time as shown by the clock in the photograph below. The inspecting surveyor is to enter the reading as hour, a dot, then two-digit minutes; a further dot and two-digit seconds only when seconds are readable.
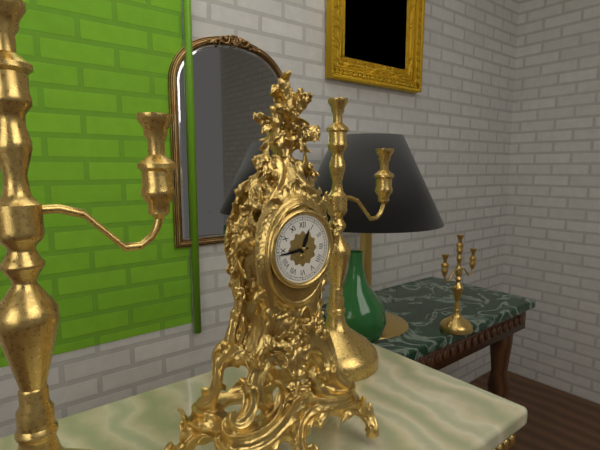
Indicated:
12.44
